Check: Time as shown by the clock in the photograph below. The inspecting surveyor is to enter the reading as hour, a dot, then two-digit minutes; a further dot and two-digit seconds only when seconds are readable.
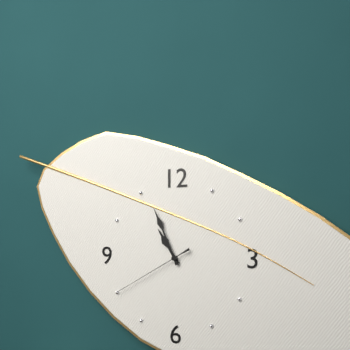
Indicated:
10.56.40
